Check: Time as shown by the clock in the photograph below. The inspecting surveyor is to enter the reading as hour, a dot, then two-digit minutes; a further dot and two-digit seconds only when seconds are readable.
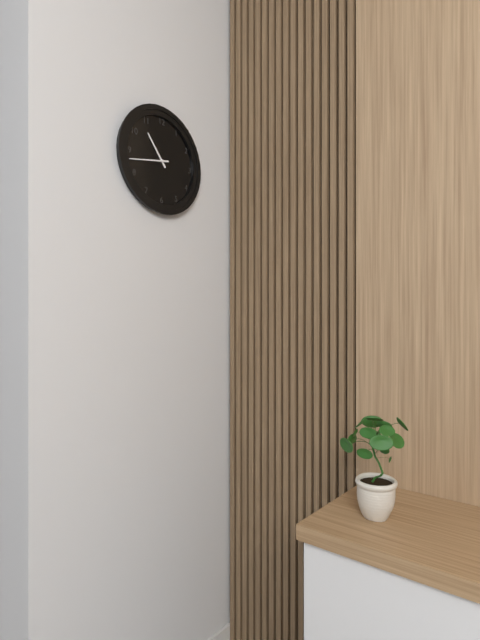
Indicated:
10.43
